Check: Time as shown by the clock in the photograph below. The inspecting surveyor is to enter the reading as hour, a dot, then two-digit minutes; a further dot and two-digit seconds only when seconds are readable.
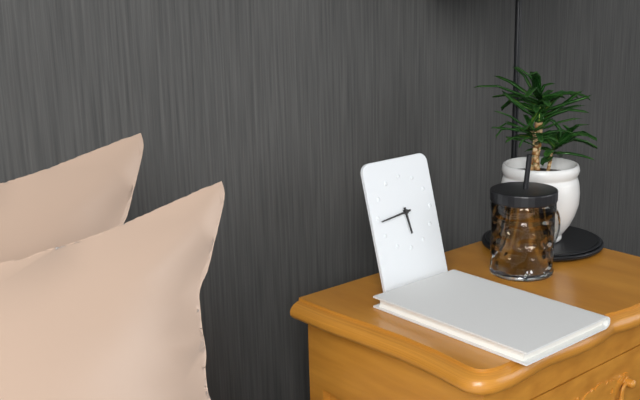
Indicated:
5.44
